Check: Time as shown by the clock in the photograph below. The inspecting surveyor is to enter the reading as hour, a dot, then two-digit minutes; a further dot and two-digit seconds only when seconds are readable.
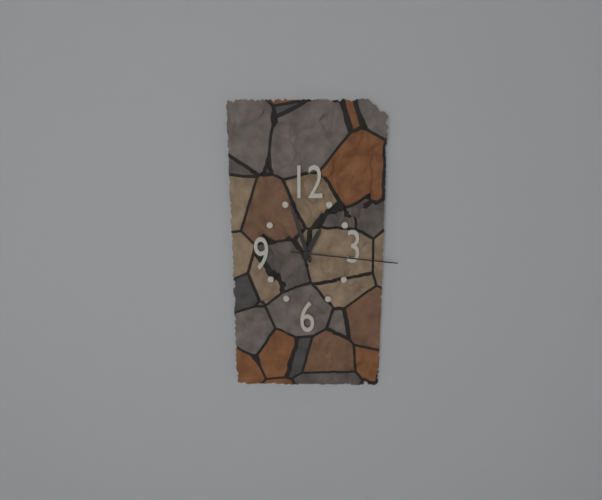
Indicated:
12.57.16
